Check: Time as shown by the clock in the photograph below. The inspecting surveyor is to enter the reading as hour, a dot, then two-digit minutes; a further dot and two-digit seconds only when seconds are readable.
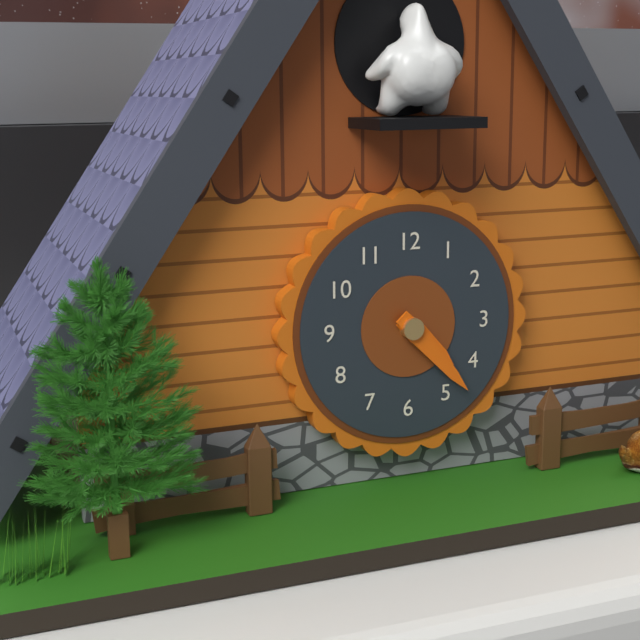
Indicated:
4.23
